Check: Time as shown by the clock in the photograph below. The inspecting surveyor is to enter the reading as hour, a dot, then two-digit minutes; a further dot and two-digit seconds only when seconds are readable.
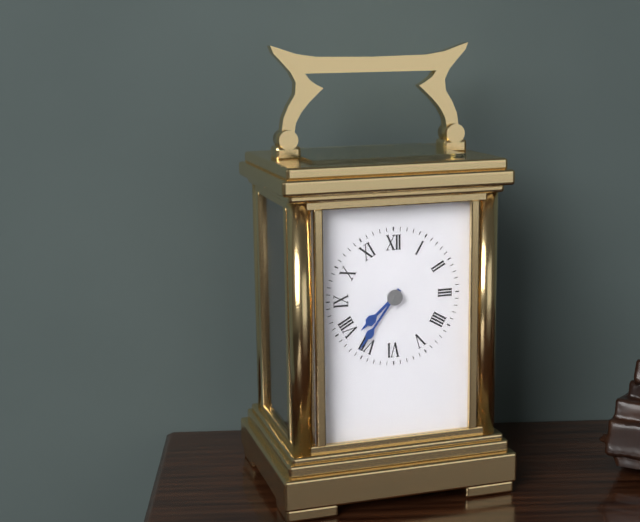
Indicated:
7.36
